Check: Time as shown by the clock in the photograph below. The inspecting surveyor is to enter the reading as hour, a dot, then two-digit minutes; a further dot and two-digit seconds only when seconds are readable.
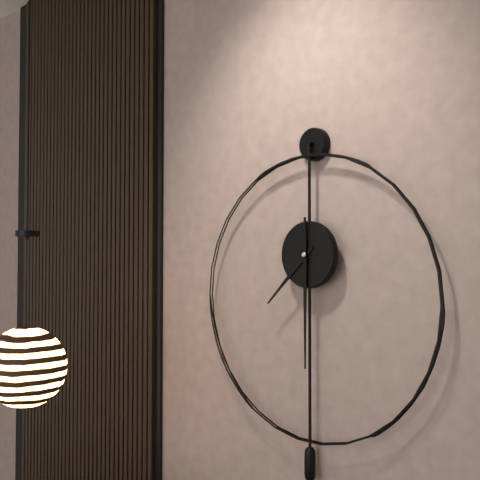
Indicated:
7.30
